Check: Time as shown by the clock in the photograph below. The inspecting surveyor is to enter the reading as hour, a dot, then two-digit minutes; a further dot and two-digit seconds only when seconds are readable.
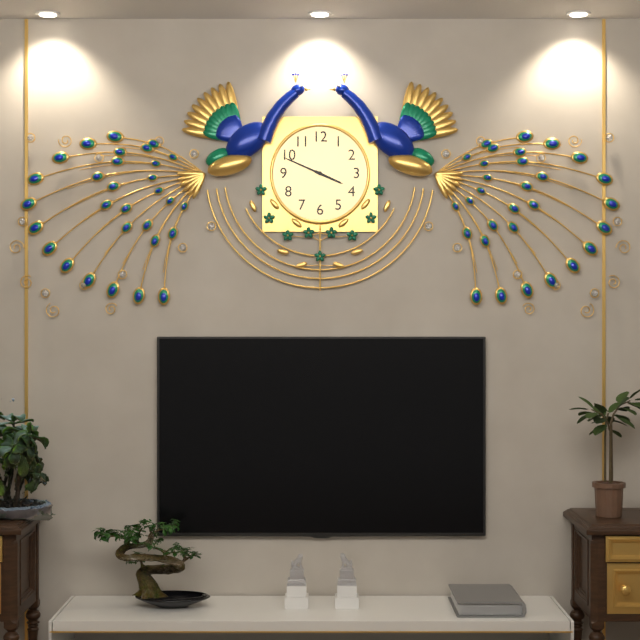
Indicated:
3.49
